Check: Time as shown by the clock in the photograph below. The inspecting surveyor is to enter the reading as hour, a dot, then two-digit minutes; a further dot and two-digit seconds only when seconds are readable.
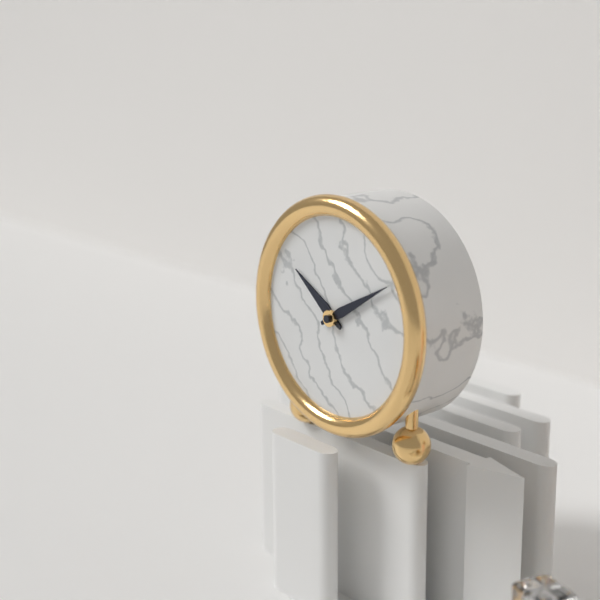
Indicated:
10.10
